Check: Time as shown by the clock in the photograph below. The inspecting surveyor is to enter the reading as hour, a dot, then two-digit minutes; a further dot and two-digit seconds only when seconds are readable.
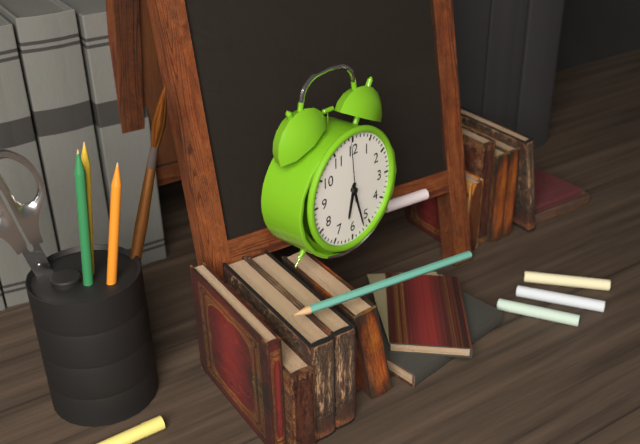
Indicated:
6.27.59
